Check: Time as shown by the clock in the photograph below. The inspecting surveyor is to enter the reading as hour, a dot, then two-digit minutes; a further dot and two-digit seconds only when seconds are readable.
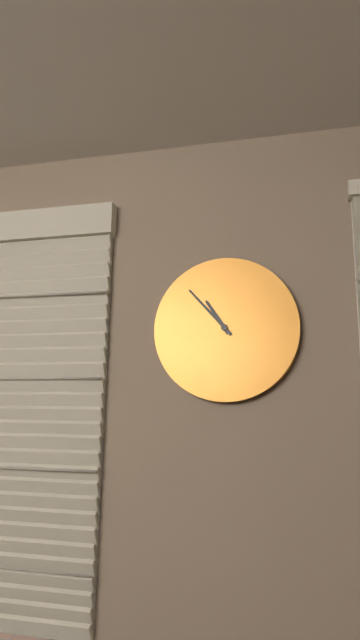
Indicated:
10.53
